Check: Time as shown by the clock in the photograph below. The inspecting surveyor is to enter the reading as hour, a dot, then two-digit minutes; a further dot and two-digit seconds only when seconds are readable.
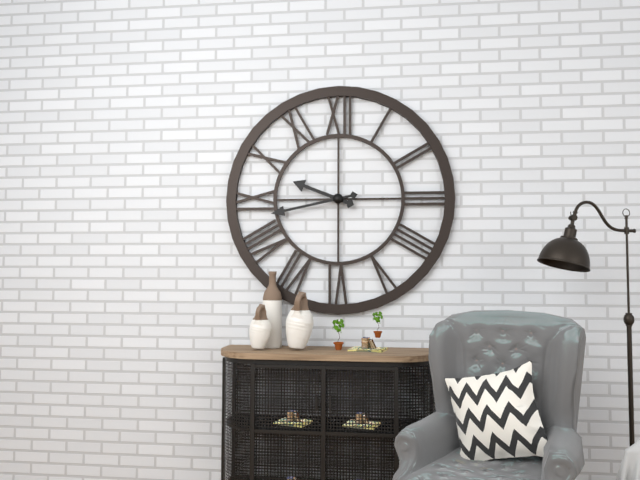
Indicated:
9.43
